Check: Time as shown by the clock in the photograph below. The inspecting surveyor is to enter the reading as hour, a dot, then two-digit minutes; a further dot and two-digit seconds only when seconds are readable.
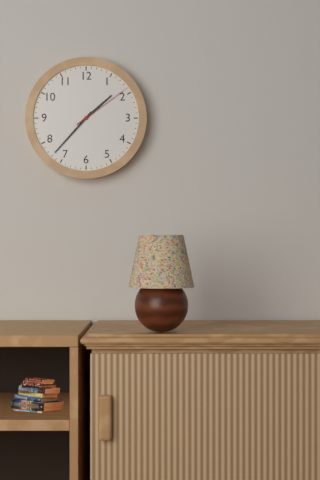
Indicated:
1.37.09
